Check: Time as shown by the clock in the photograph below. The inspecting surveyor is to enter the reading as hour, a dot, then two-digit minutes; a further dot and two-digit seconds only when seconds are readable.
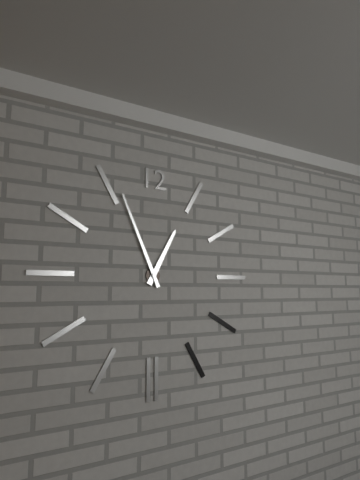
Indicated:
12.56
